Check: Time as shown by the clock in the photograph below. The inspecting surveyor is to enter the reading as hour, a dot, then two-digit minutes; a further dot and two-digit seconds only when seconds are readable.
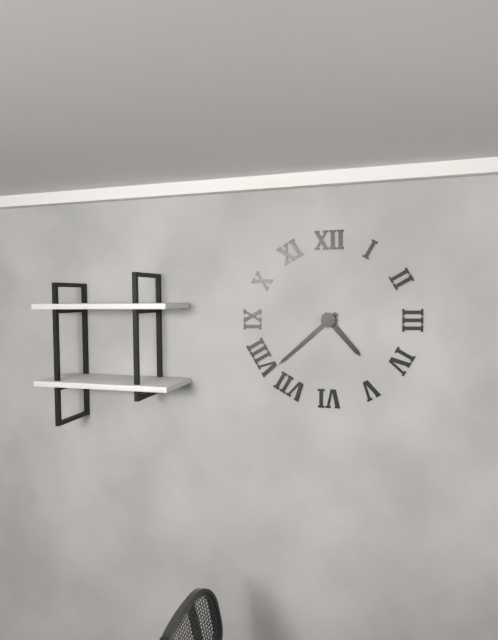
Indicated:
4.38
